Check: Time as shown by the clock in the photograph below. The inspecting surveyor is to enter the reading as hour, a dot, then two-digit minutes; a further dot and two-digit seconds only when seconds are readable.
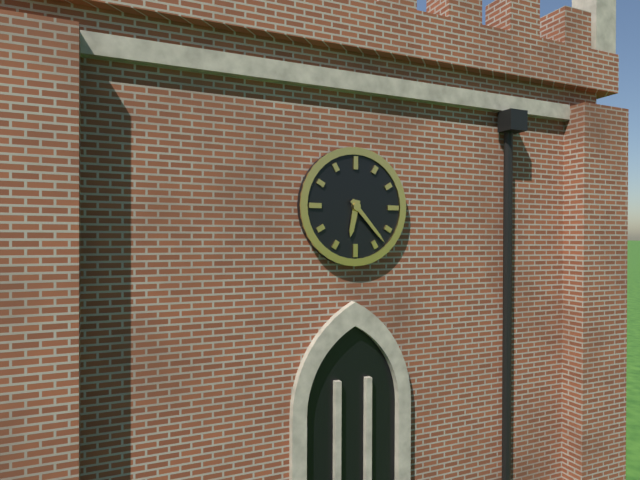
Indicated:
6.23
